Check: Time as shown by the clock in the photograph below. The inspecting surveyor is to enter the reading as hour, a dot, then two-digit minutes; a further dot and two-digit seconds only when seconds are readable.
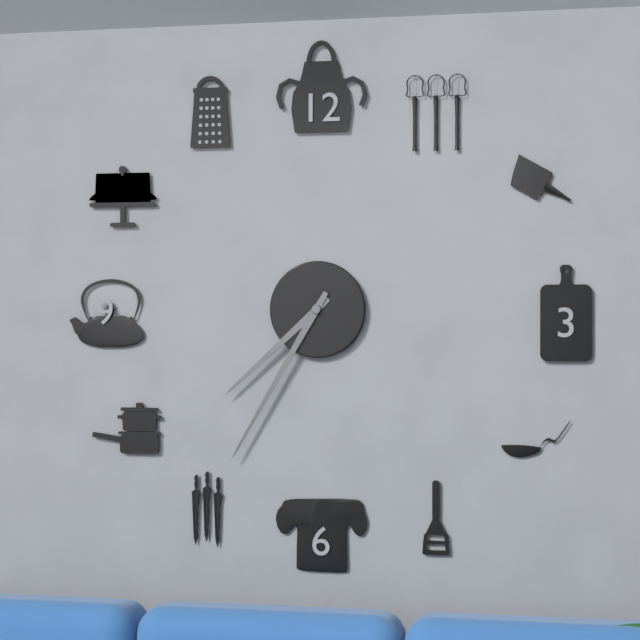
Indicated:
7.35
